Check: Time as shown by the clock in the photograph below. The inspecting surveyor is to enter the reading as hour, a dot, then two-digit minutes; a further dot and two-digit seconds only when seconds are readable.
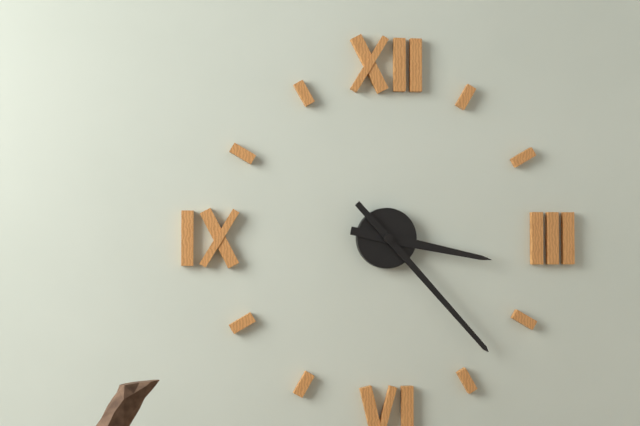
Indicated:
3.23
